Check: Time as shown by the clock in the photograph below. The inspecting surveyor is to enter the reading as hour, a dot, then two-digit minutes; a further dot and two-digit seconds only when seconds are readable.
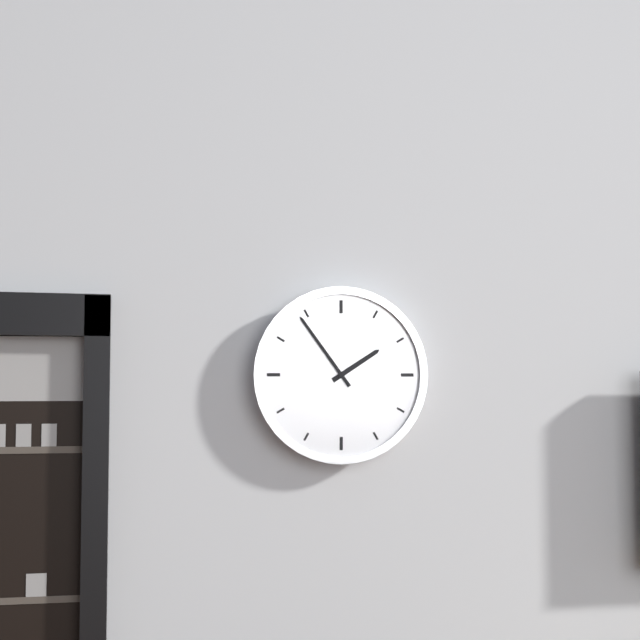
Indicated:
1.54
